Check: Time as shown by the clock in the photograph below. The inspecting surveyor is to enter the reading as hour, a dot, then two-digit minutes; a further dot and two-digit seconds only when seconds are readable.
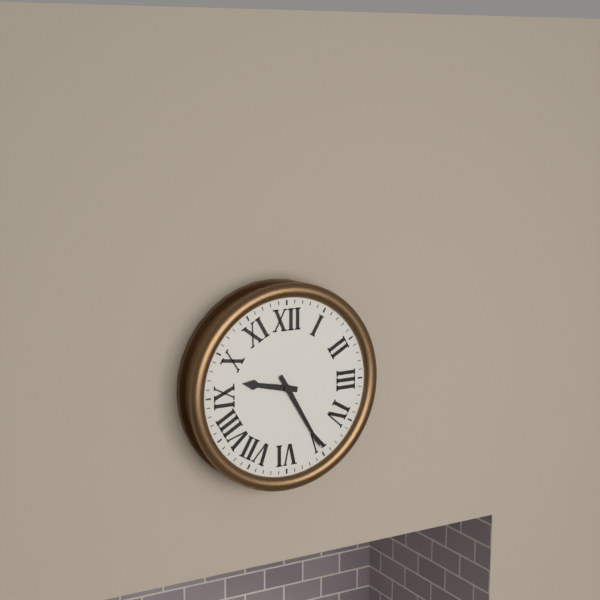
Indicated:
9.25
